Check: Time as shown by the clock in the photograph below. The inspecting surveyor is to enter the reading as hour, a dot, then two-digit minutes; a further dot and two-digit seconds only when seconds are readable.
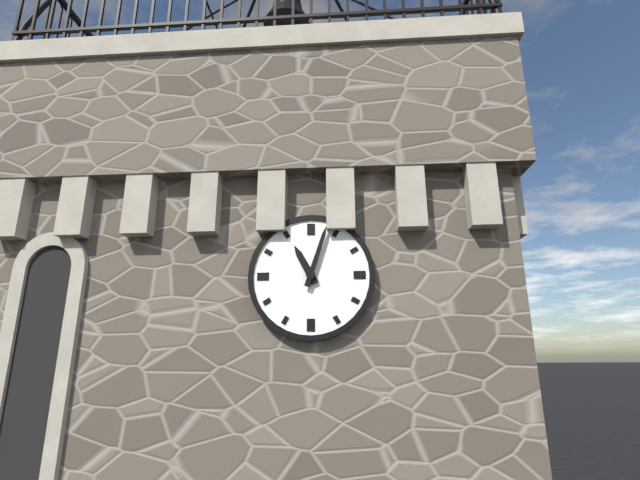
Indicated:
11.03
